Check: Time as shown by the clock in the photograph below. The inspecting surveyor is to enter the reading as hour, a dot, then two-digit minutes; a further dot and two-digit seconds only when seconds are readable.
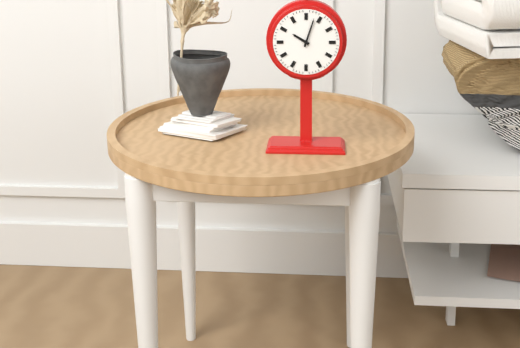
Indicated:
10.03
